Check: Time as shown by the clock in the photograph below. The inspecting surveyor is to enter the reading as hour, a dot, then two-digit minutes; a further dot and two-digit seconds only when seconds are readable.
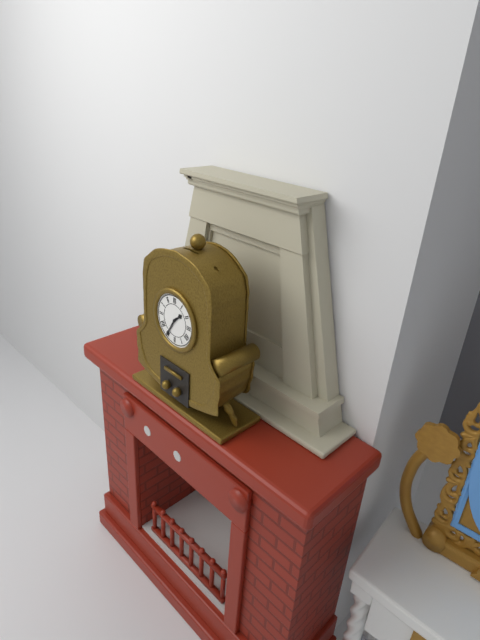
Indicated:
1.35
